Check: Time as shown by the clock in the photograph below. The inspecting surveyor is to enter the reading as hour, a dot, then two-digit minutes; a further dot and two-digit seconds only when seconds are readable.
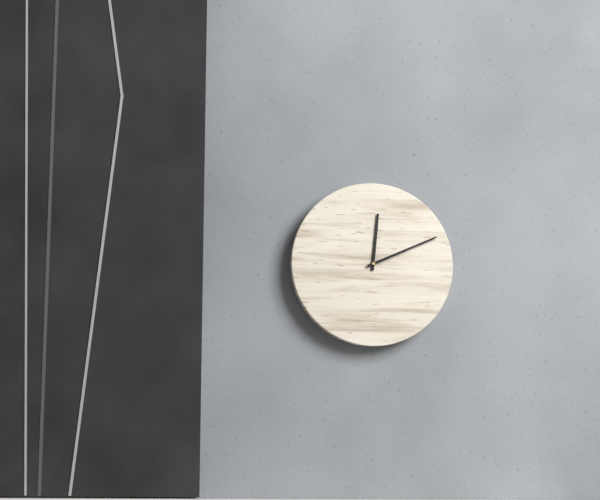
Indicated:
12.11
